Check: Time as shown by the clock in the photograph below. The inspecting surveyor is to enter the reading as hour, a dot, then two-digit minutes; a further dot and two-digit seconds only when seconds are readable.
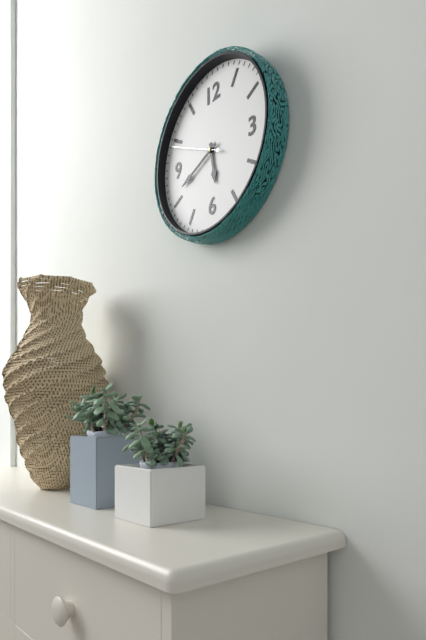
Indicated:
5.41.49
